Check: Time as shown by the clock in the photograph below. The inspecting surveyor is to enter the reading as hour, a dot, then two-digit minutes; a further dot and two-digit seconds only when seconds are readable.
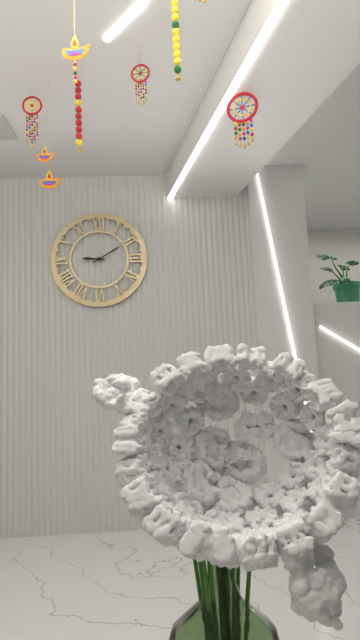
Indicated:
9.10
